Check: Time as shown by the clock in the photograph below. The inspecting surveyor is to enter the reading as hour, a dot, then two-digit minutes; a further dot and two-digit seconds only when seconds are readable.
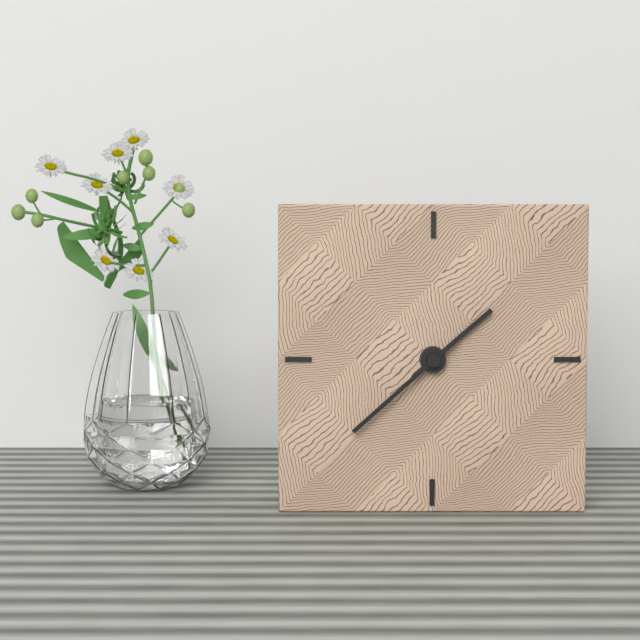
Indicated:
1.38
